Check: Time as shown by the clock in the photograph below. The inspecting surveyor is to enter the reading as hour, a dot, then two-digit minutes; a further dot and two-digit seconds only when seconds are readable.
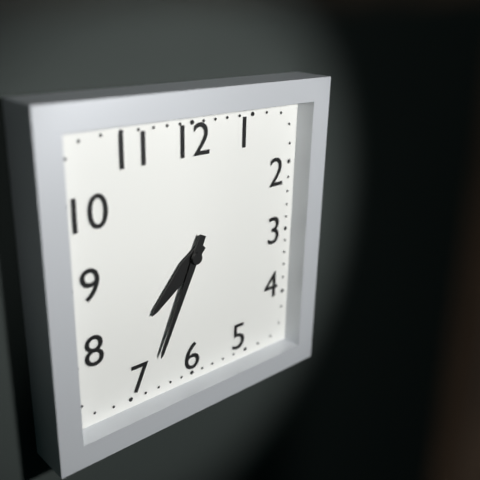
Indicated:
7.34
